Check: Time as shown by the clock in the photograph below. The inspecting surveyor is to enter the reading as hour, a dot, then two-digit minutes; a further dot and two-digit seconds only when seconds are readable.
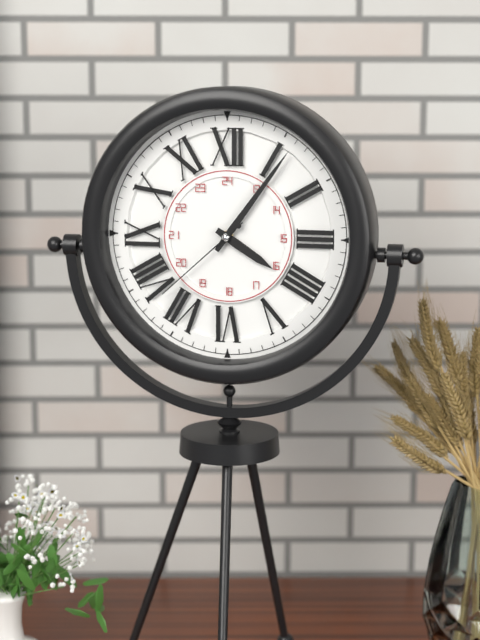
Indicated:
4.06.38
